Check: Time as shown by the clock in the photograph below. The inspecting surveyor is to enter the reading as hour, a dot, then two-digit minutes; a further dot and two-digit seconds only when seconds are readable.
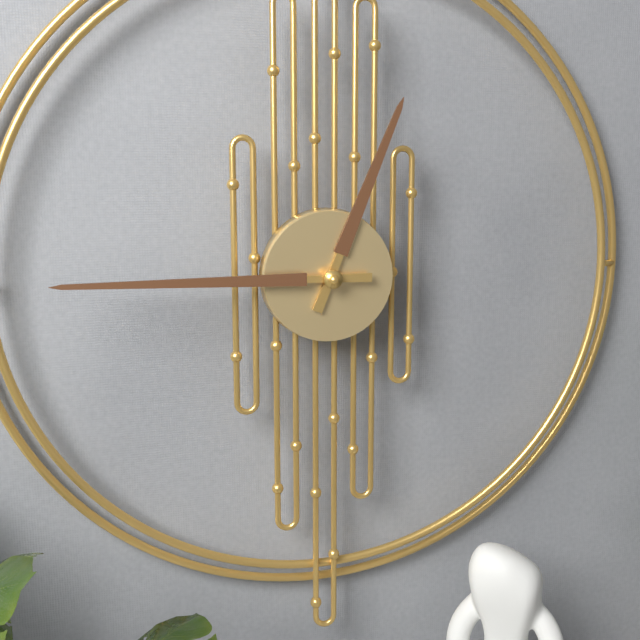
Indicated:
12.45
